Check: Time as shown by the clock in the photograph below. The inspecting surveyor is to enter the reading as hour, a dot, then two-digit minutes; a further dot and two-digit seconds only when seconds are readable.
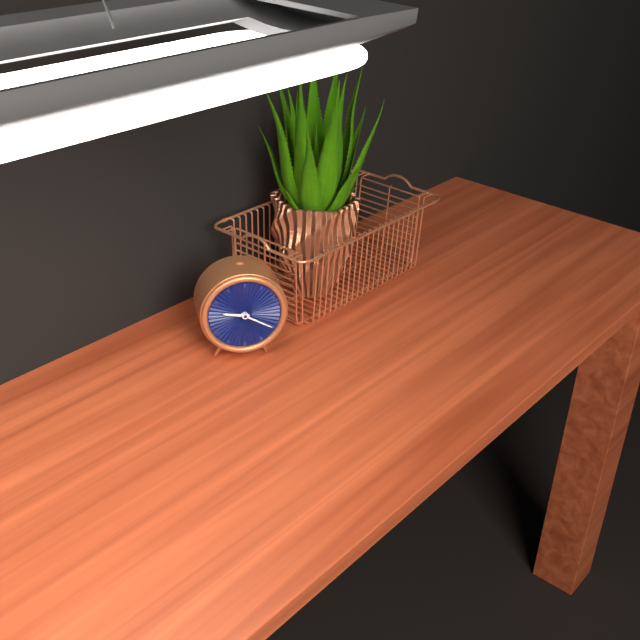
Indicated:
9.20
